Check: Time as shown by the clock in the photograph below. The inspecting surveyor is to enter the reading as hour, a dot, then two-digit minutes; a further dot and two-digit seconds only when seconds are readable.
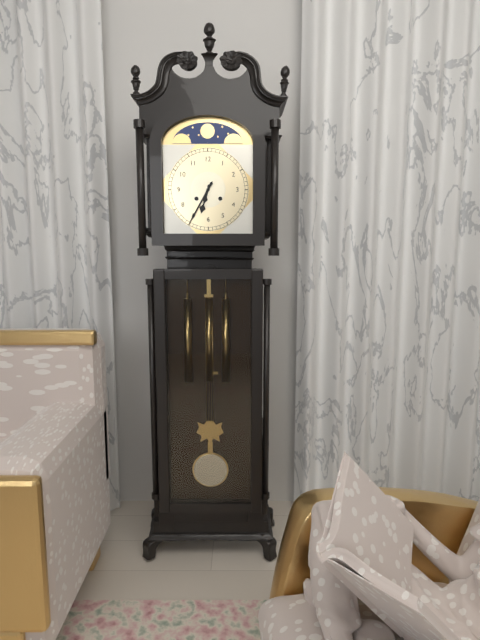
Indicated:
6.35
